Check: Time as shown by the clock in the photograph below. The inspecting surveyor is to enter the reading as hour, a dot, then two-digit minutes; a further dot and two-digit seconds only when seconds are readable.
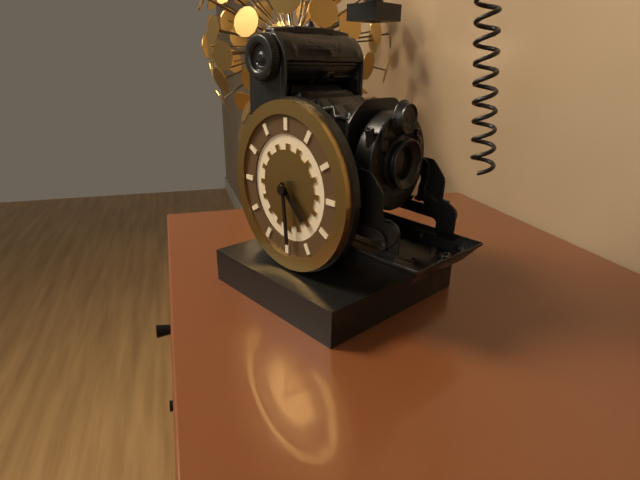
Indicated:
4.29
